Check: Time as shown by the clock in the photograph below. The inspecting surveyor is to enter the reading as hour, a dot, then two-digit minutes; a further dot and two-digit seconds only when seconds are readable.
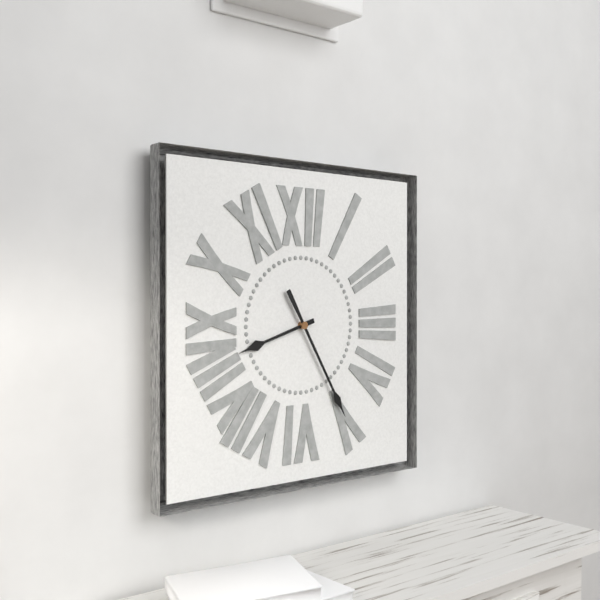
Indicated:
8.25
